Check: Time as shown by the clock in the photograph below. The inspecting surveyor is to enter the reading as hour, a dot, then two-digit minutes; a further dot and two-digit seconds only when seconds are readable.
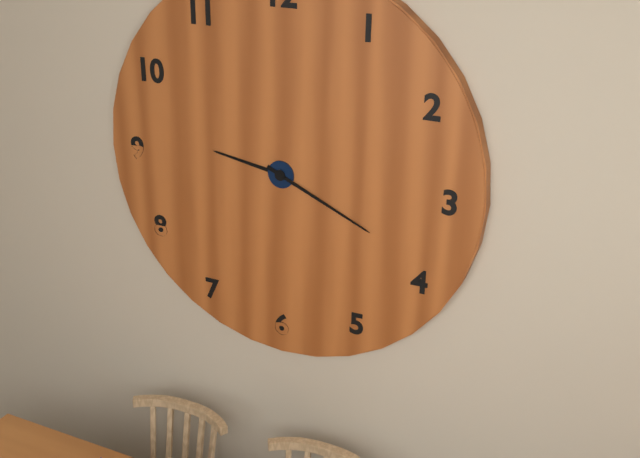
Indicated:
9.19
